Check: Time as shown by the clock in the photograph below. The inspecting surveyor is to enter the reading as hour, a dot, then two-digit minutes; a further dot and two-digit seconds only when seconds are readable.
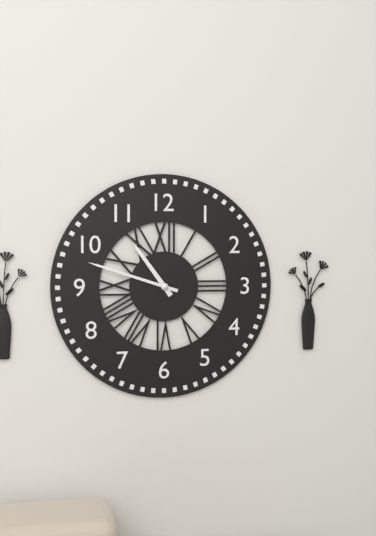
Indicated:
10.48
